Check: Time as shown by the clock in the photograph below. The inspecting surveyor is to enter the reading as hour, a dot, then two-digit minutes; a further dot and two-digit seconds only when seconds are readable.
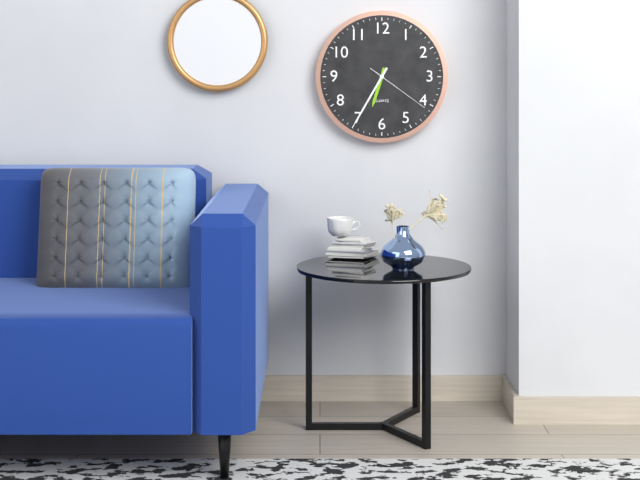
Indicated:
6.35.21
